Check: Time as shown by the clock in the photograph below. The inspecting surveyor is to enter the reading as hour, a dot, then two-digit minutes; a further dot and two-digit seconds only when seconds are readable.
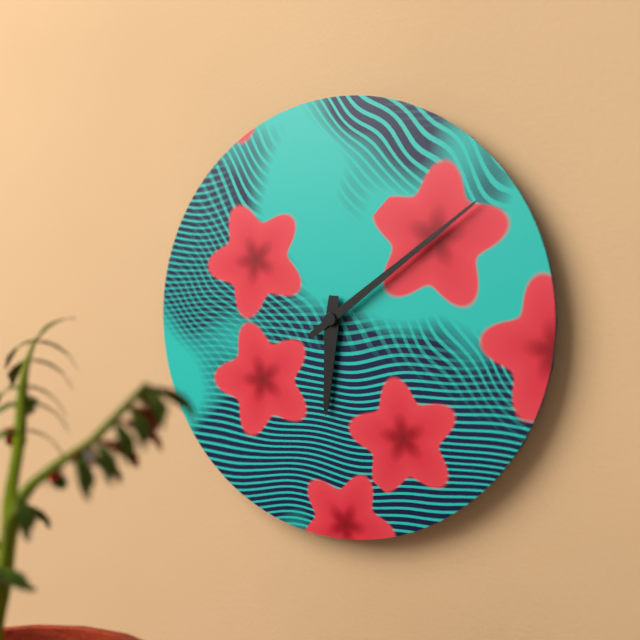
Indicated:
6.09
